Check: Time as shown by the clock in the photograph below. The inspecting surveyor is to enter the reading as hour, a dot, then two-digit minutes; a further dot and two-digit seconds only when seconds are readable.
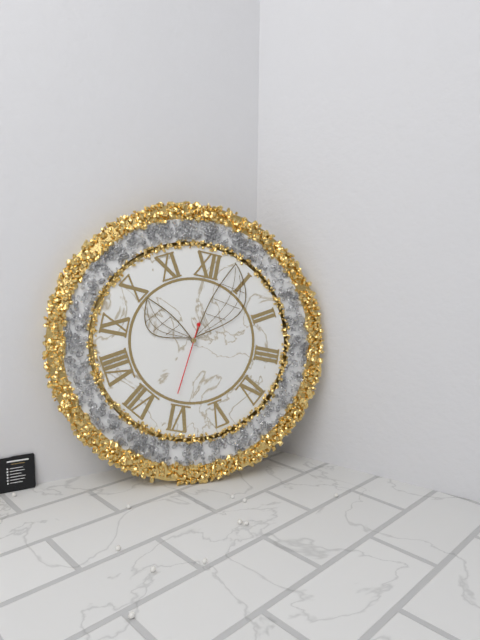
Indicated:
10.03.31
